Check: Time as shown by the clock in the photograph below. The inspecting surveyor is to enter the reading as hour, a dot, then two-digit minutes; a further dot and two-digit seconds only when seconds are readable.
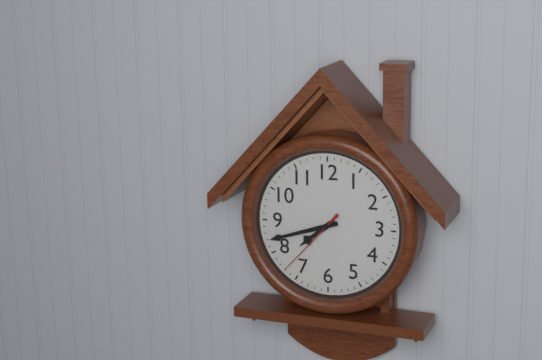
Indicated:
7.42.37
